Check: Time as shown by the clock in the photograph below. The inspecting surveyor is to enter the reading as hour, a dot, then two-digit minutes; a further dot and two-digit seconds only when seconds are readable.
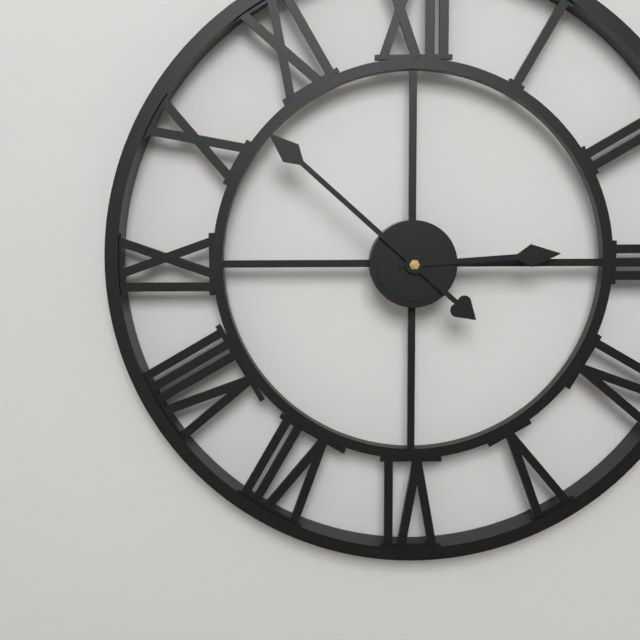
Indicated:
2.52
